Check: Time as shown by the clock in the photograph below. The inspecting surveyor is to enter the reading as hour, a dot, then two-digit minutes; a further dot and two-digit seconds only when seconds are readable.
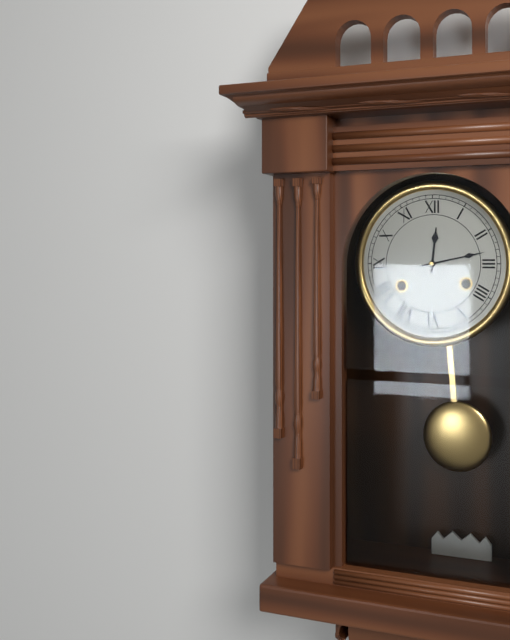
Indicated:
12.13
